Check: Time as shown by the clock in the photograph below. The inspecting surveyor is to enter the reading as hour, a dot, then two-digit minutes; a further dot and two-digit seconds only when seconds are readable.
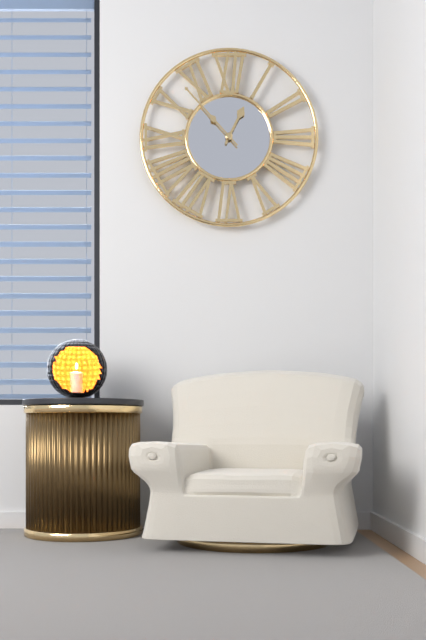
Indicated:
12.53
